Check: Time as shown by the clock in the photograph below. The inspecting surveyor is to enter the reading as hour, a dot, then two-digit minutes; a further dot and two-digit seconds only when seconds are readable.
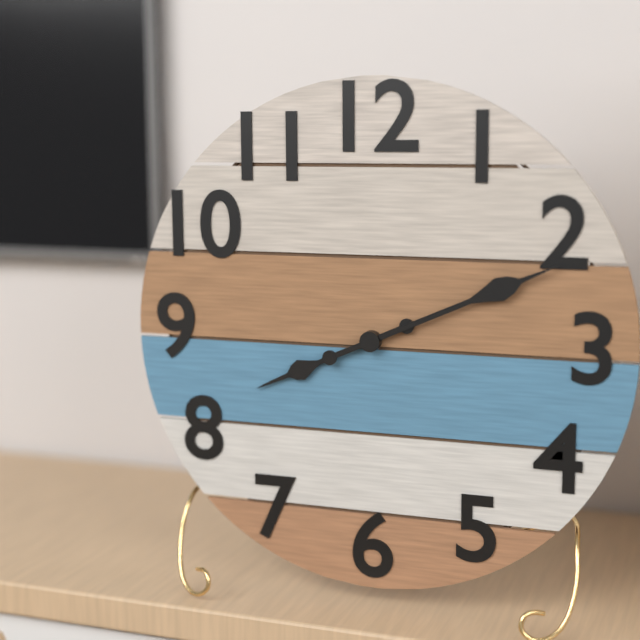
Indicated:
8.11
